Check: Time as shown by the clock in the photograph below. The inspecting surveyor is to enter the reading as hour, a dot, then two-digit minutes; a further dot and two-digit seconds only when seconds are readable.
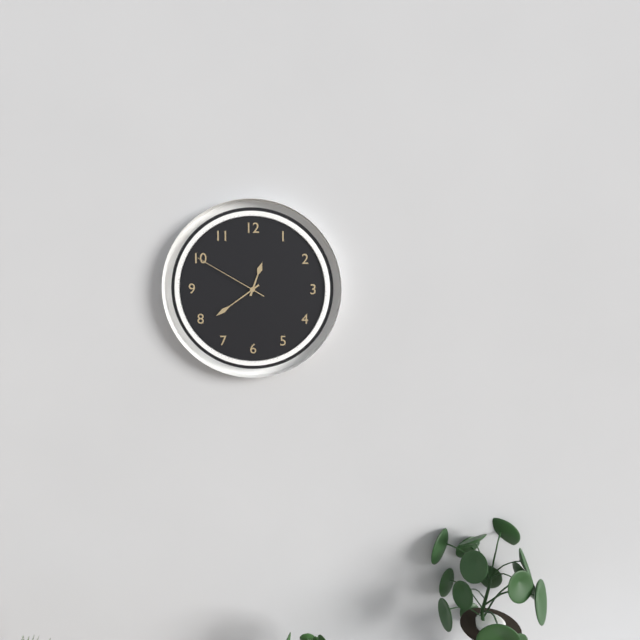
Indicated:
12.39.50
